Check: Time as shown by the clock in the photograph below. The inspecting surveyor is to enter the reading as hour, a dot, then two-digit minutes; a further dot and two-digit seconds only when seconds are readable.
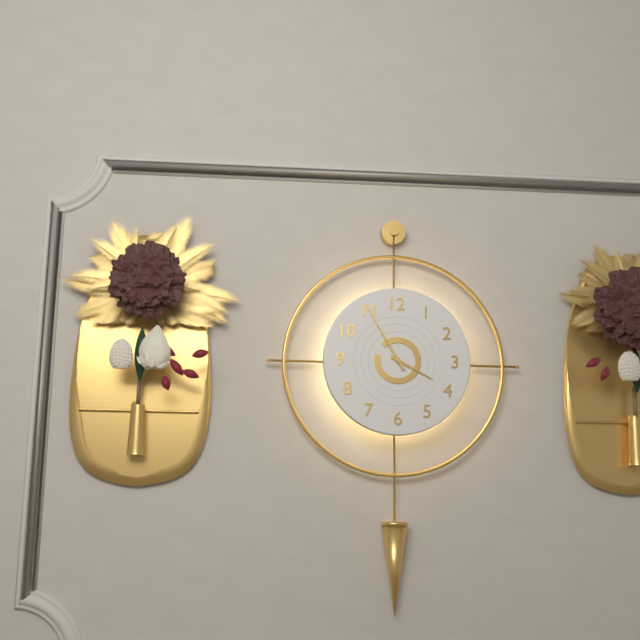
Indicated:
3.55
